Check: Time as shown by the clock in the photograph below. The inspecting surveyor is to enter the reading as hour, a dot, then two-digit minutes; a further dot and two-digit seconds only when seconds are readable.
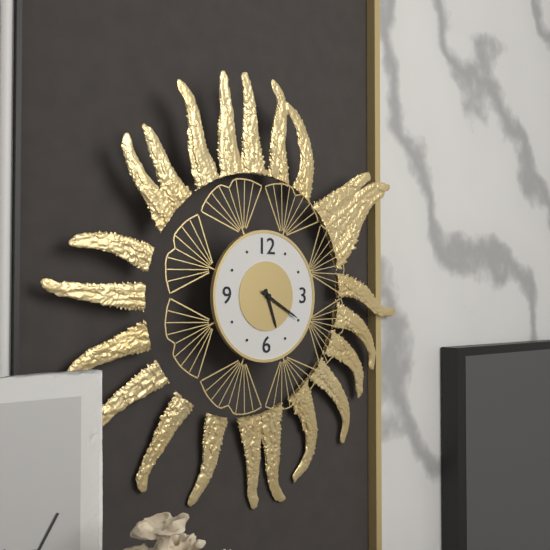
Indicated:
5.20
